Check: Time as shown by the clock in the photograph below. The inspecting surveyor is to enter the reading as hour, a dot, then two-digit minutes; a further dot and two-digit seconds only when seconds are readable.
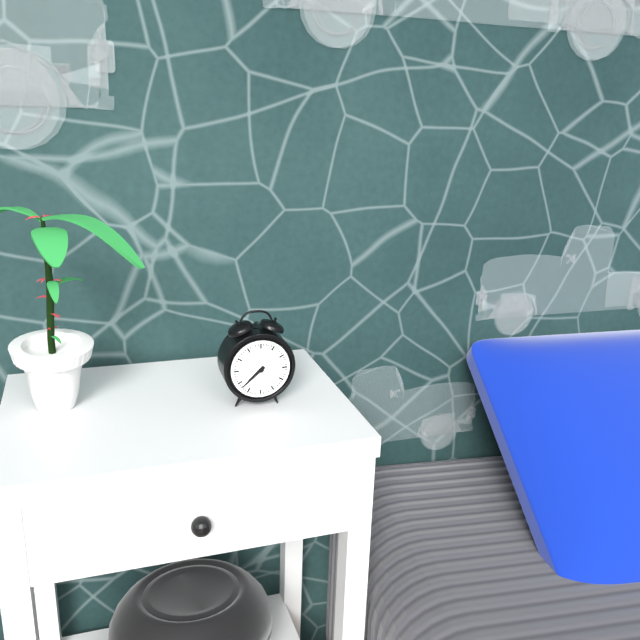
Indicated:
7.38
